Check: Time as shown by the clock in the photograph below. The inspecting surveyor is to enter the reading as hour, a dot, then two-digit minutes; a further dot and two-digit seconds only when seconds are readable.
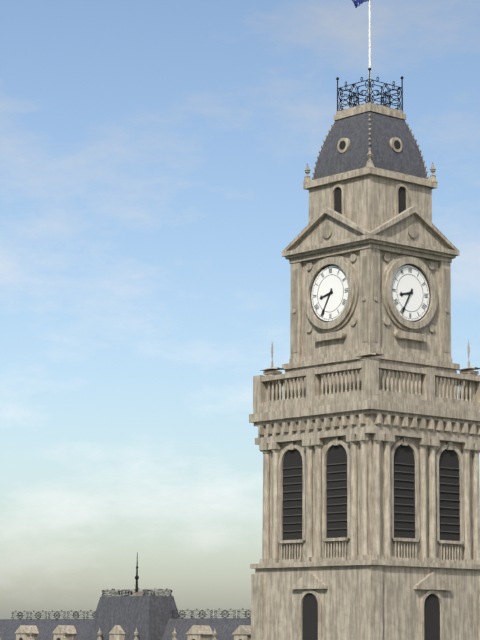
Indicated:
8.35
